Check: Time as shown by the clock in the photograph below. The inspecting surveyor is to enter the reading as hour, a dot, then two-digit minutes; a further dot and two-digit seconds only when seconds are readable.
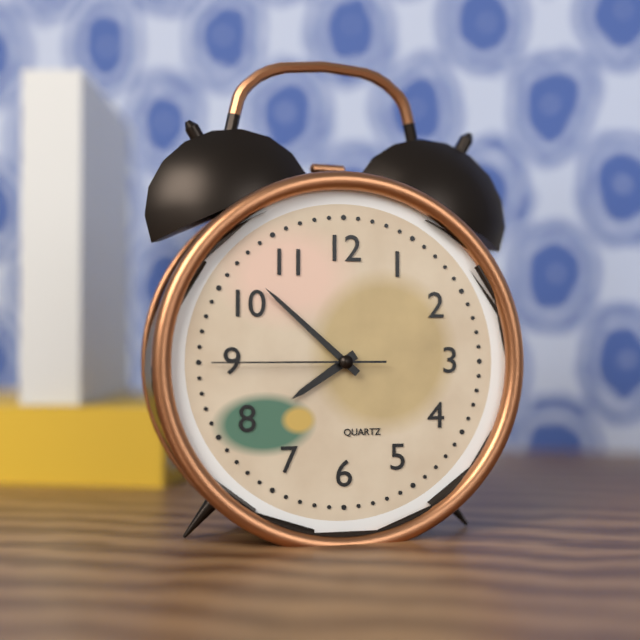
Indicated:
7.52.45
